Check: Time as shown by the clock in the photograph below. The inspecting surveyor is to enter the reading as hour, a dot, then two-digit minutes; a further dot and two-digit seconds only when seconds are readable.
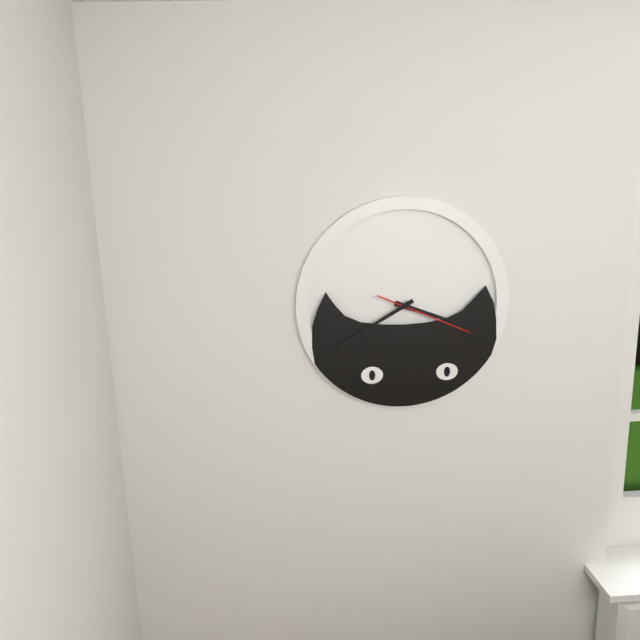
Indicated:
3.40.19
